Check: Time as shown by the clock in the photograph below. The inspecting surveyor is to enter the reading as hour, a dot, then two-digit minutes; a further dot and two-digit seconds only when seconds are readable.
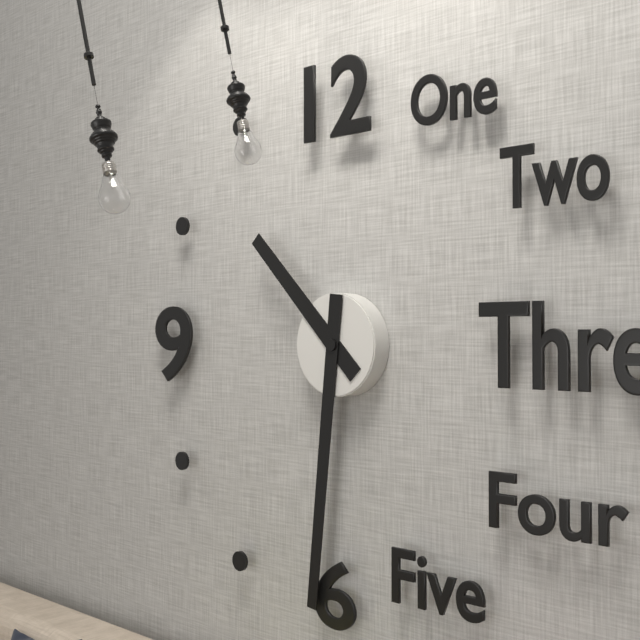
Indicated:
10.31
